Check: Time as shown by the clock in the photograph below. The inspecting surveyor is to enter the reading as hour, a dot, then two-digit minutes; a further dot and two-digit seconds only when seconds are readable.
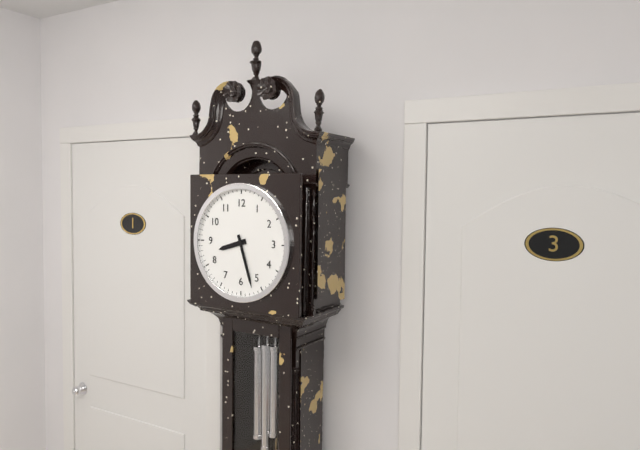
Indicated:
8.27
